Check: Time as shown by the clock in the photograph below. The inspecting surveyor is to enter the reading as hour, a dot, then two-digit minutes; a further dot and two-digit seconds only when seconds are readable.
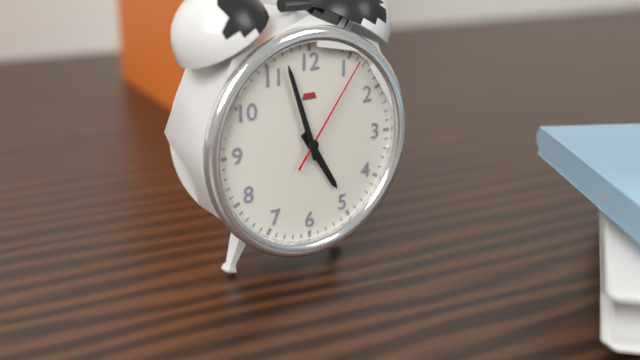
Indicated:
4.57.06
